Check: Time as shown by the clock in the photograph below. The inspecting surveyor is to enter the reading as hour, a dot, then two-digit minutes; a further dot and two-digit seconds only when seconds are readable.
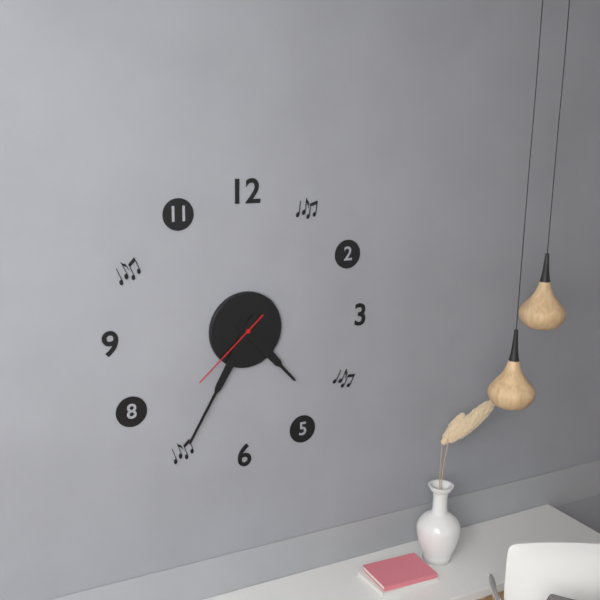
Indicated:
4.35.38
